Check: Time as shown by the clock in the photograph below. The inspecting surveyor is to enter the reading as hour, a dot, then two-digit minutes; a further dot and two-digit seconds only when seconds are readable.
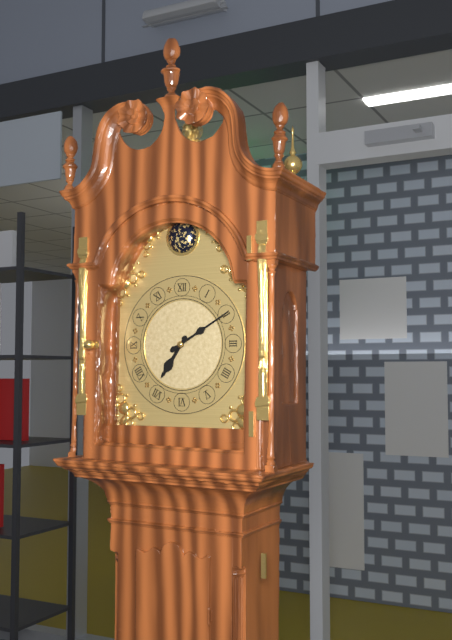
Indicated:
7.10
